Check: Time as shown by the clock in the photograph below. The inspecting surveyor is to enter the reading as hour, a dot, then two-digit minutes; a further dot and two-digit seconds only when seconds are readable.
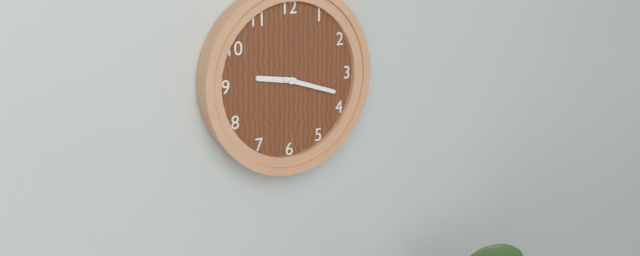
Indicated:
9.18
